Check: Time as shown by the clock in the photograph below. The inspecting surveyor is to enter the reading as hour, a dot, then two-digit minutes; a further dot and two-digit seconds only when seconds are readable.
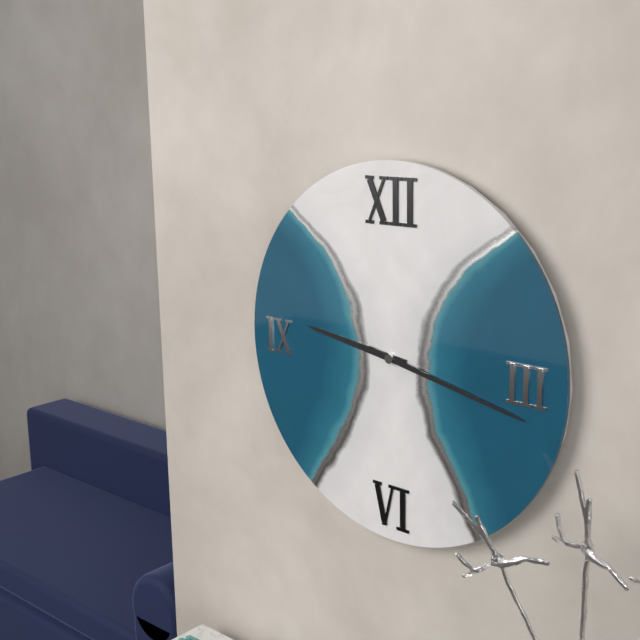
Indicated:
9.17
